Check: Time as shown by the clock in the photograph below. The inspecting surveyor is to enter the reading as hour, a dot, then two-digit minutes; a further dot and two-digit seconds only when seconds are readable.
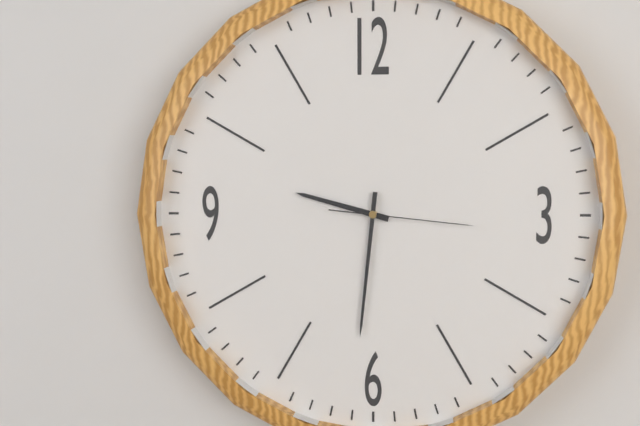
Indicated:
9.31.16
